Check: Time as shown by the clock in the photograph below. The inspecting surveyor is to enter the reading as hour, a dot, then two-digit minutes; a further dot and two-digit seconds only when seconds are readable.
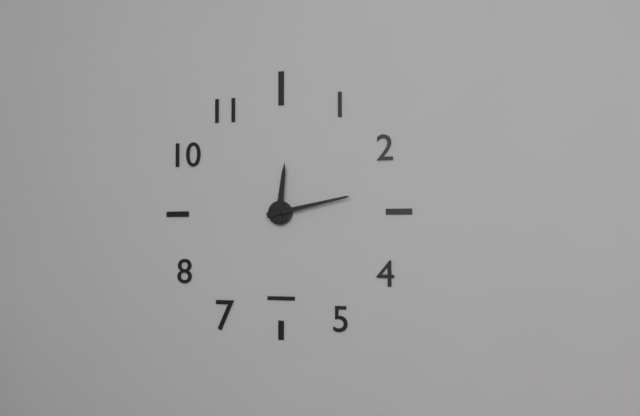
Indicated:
12.13
